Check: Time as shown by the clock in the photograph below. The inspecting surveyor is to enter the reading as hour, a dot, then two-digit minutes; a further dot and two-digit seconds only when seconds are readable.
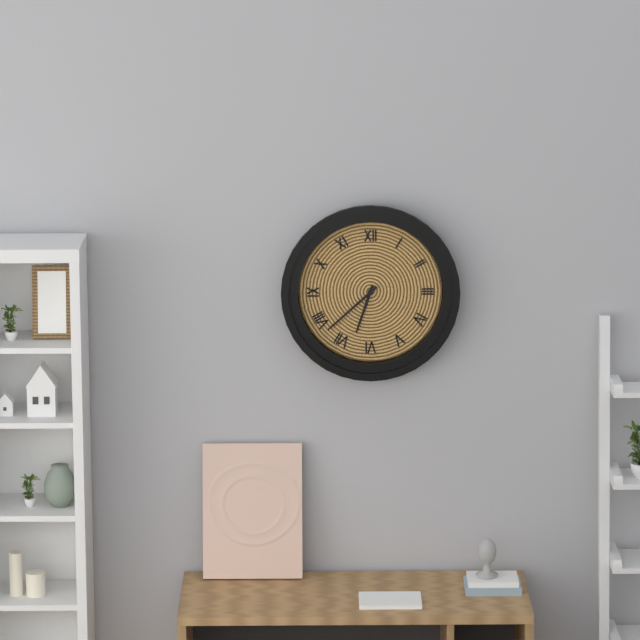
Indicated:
6.38
